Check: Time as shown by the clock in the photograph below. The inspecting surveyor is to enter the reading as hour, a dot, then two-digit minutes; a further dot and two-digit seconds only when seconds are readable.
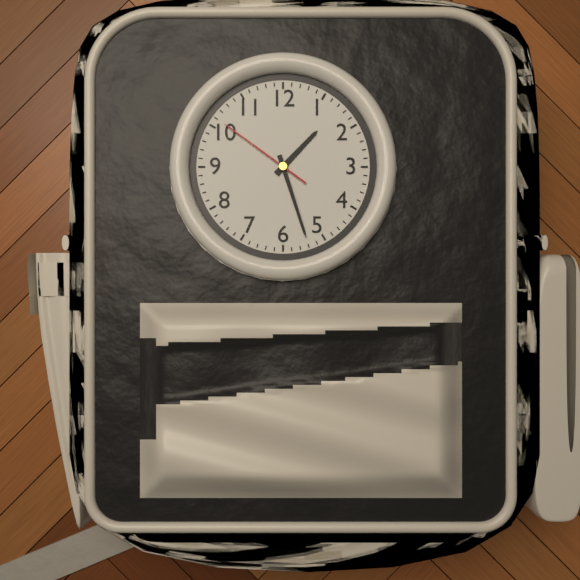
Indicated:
1.27.51
